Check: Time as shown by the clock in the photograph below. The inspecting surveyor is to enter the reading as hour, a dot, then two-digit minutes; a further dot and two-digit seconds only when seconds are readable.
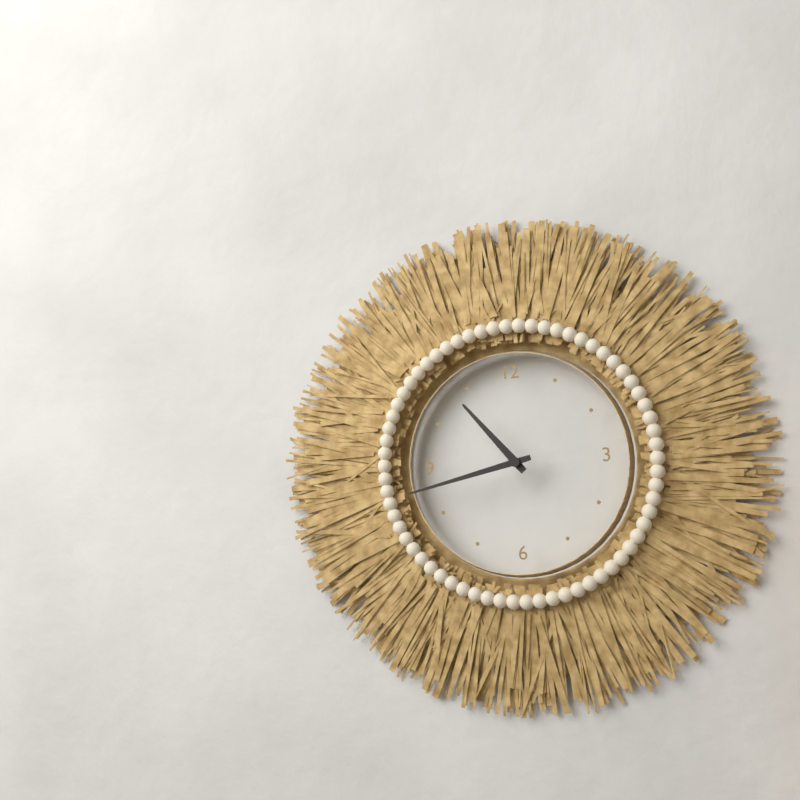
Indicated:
10.43
